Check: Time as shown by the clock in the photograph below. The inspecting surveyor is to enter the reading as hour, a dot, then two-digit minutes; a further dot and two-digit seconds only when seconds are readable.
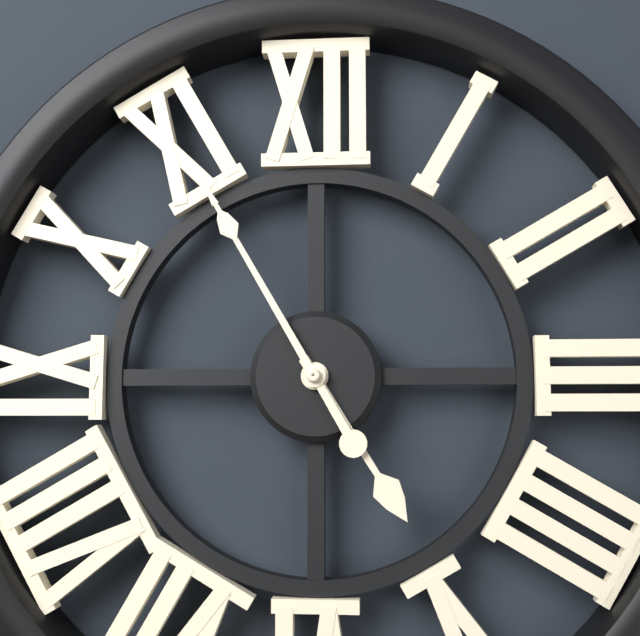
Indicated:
4.55
